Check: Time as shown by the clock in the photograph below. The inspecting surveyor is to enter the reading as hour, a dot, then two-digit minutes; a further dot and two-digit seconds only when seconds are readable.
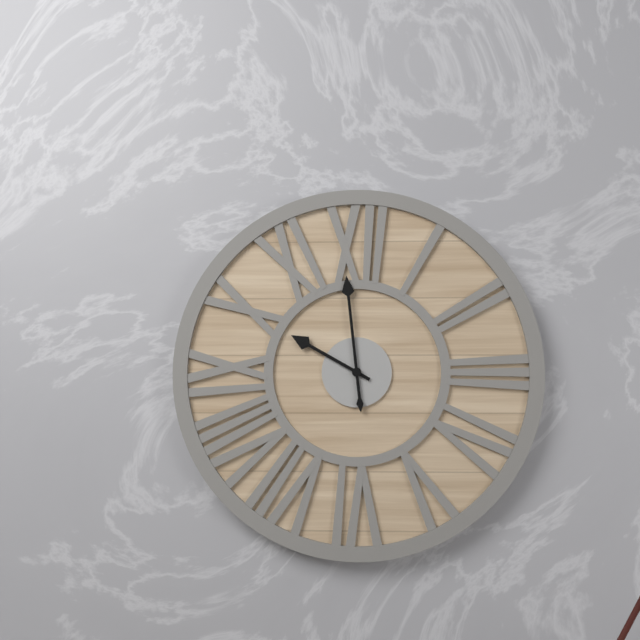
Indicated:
9.59
